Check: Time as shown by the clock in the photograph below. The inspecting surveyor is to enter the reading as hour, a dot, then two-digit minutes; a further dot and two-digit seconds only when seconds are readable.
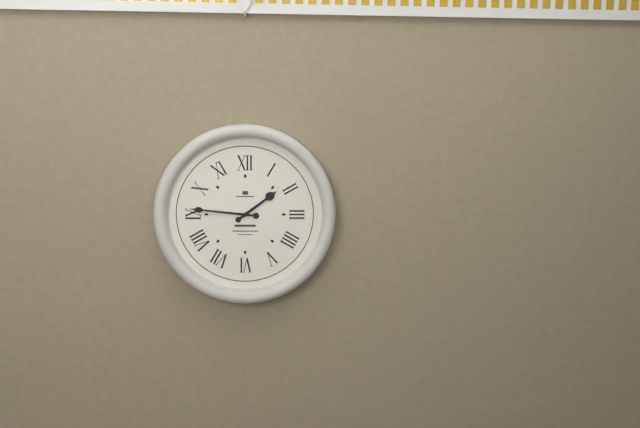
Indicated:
1.46
